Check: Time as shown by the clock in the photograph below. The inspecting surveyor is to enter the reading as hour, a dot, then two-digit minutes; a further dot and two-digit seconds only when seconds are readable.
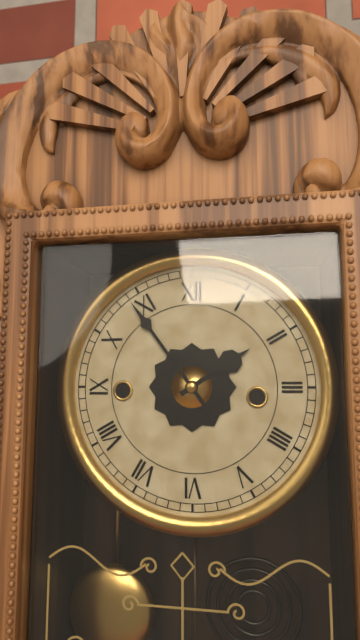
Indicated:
1.54
